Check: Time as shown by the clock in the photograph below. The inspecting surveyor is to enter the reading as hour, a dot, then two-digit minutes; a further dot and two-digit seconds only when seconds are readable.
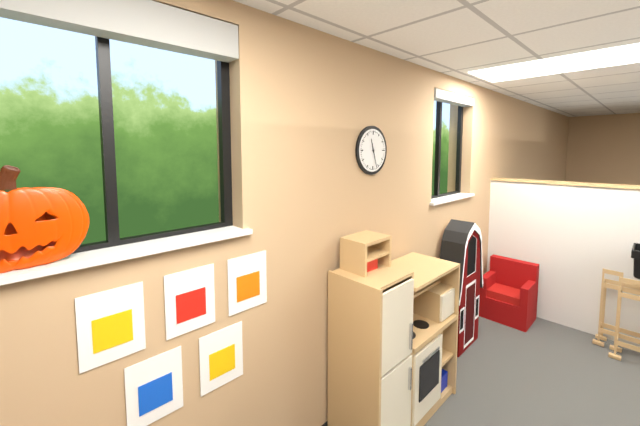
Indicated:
11.27
